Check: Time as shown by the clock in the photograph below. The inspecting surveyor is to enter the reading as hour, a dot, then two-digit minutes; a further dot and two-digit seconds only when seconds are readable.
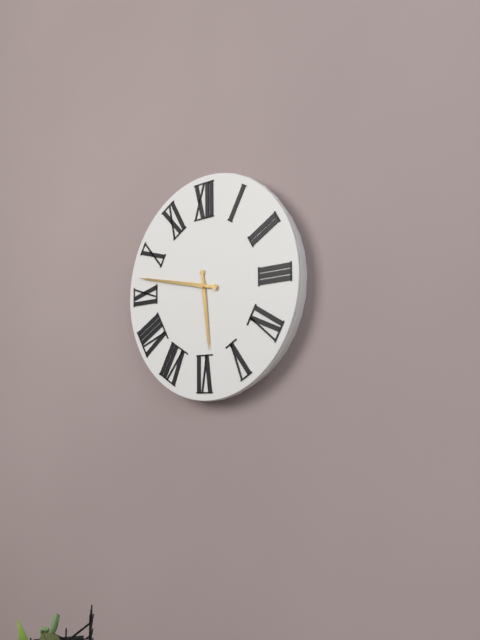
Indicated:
5.47
